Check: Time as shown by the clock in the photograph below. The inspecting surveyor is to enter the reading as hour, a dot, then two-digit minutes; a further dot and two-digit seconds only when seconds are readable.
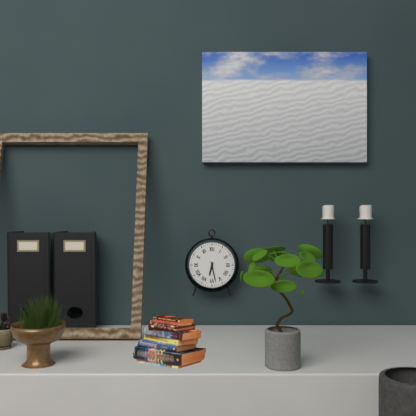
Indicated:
6.28
